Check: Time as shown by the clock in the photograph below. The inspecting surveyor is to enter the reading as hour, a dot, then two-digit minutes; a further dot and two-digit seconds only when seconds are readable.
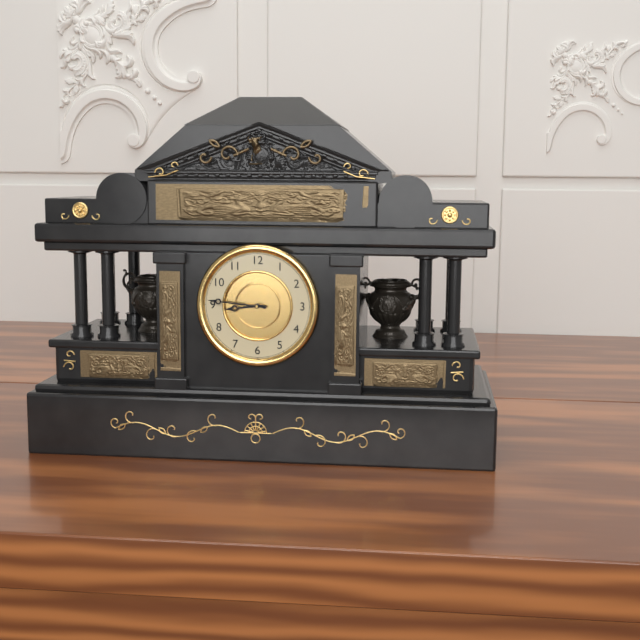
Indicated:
8.46
